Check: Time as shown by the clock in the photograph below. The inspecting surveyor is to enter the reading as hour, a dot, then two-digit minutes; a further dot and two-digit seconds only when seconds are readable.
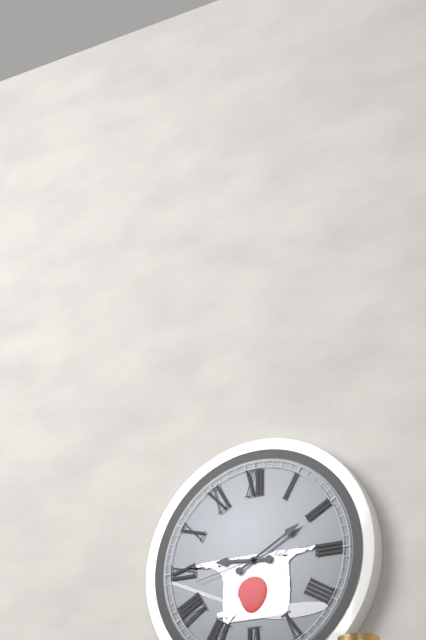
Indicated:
9.10.43
